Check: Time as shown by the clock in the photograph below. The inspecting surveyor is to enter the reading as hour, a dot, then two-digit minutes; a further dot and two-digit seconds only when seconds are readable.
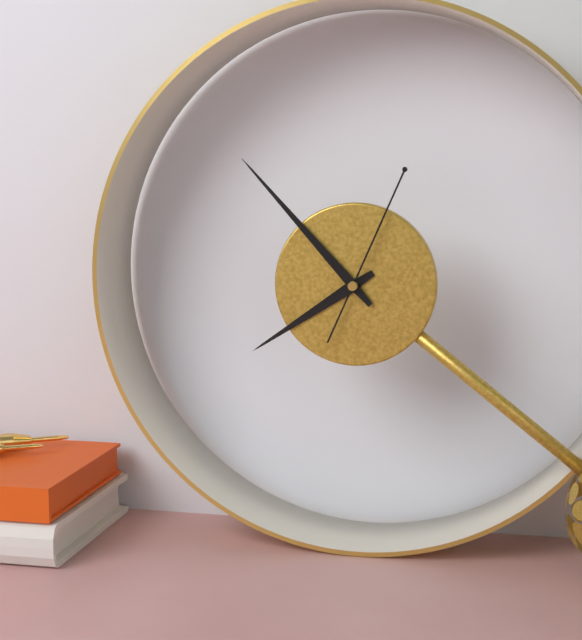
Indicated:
7.53.04
